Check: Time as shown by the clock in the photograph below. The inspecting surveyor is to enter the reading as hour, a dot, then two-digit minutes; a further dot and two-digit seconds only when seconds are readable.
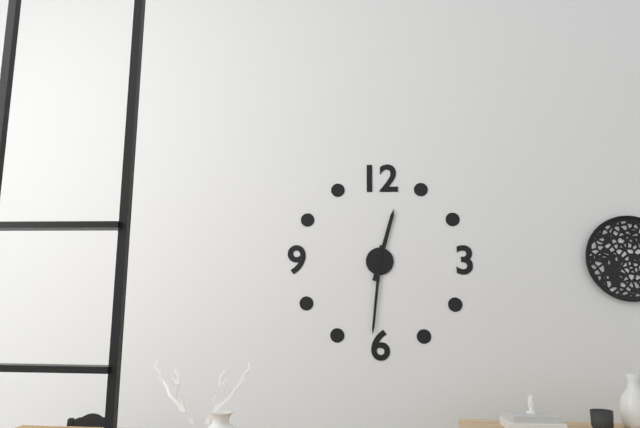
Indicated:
12.31
